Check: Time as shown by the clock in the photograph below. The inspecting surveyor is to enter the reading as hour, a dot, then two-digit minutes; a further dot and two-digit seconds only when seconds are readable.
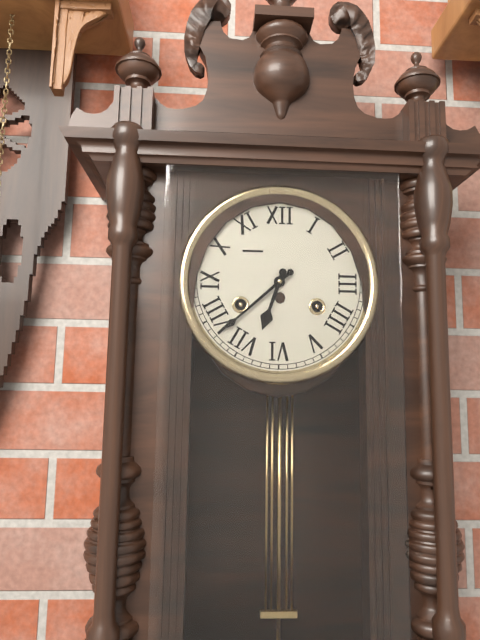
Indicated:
6.38
